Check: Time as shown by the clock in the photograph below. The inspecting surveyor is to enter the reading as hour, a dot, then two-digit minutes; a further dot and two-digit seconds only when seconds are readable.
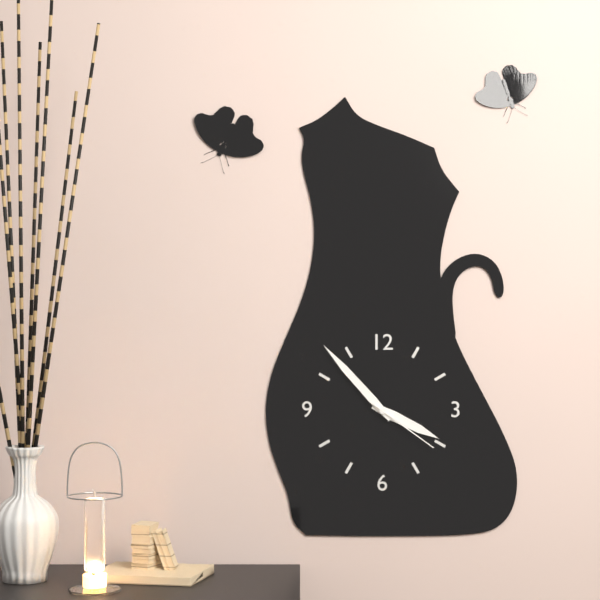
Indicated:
3.53.21
